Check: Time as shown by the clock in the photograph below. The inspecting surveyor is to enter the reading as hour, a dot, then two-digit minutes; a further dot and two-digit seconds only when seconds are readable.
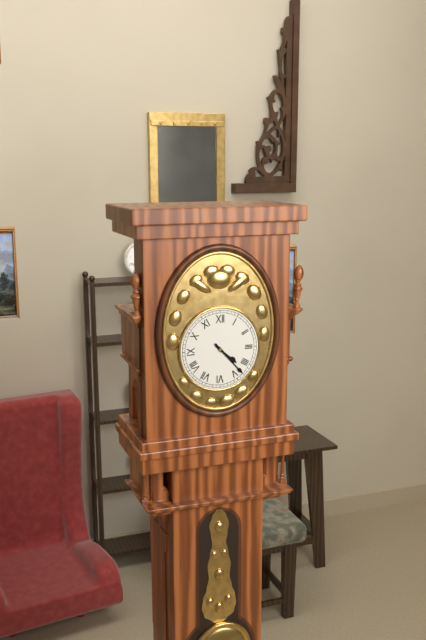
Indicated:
4.23
